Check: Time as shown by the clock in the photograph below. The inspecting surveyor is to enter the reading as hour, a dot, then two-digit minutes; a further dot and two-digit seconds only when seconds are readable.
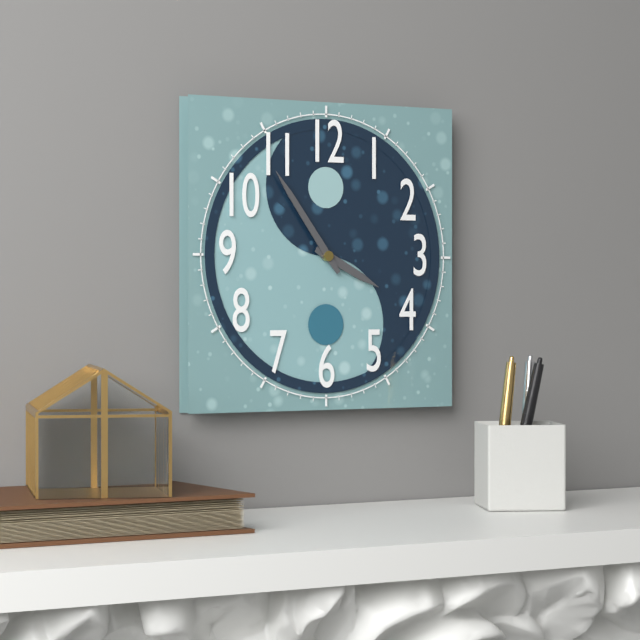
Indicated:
3.54
